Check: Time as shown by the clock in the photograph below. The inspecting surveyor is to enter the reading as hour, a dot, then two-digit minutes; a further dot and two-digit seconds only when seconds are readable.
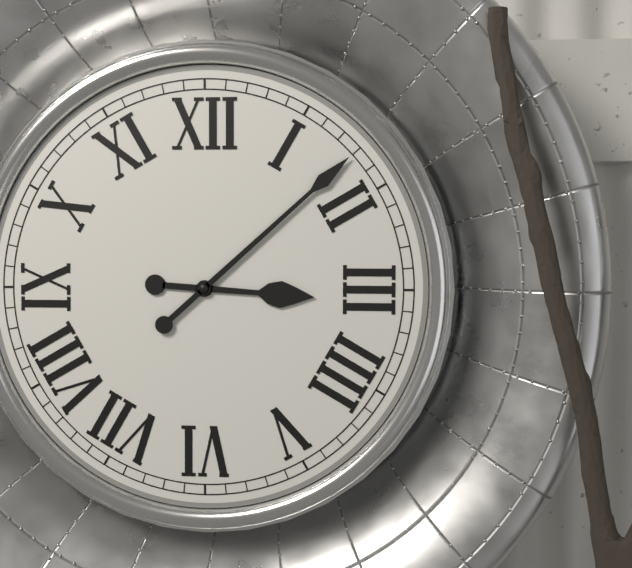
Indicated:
3.08
